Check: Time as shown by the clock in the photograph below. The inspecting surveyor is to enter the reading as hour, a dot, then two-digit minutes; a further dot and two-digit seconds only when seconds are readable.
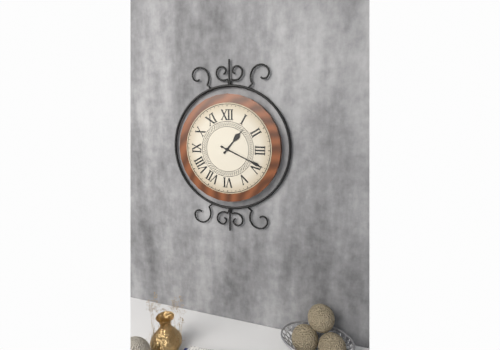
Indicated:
1.19
